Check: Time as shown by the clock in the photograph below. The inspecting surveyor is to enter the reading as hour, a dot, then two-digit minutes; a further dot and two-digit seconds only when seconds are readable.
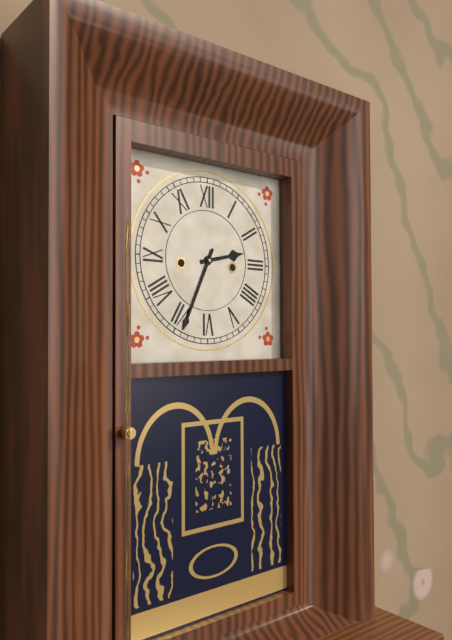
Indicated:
2.34
